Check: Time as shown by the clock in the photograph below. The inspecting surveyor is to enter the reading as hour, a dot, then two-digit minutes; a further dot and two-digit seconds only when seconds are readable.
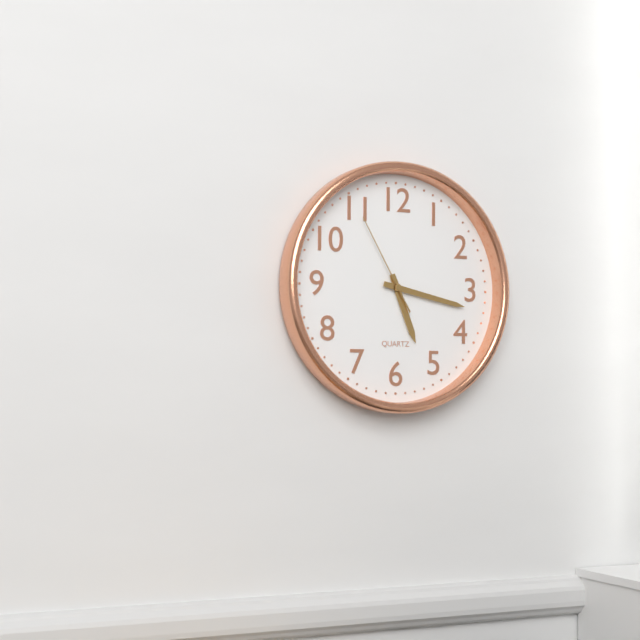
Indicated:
5.17.55
